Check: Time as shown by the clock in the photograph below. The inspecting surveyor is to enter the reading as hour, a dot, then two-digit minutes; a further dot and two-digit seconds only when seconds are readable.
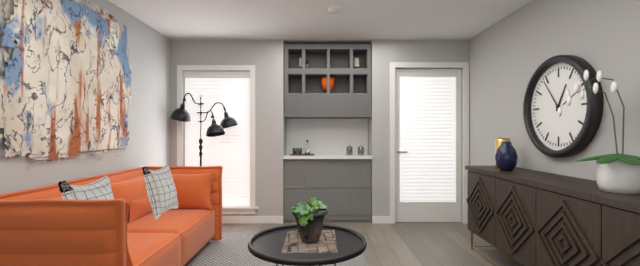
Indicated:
12.54
